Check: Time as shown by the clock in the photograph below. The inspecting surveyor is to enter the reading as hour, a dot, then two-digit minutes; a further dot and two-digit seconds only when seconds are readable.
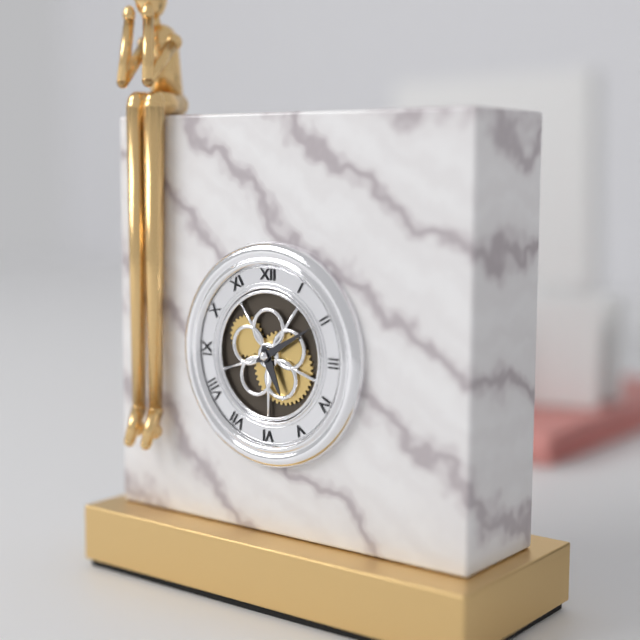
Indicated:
5.10
